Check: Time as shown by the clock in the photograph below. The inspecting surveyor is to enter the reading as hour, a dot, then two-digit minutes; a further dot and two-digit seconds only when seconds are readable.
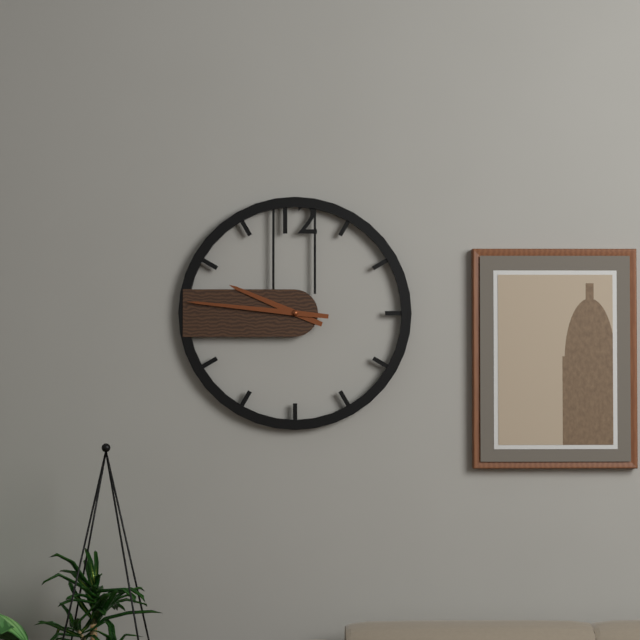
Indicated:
9.46
